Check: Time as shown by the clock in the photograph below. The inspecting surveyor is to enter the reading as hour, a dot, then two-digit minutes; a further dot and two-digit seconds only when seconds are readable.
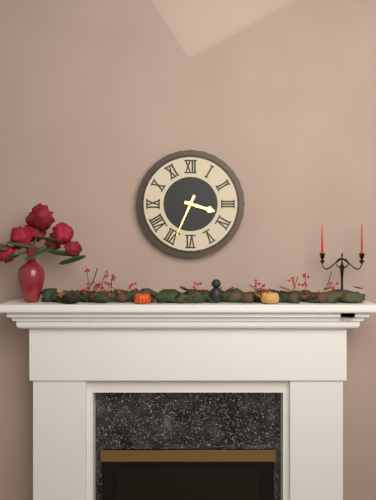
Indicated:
3.34
